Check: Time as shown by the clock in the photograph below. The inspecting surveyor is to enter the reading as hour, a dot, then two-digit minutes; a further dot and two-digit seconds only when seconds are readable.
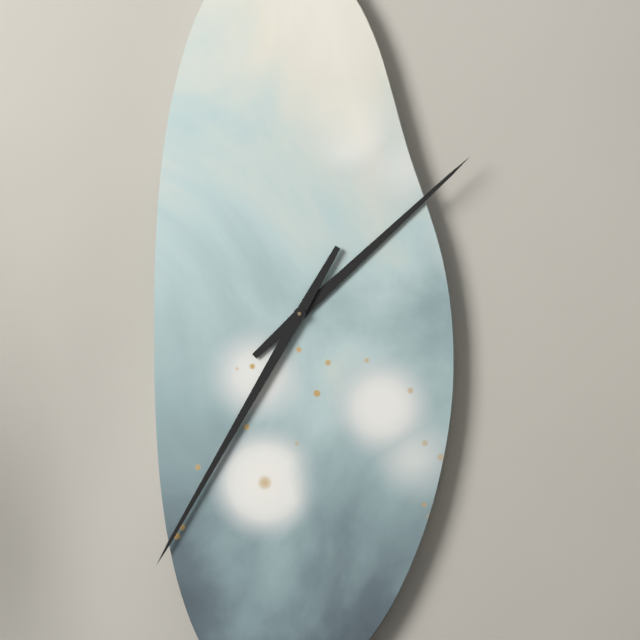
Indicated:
1.35
